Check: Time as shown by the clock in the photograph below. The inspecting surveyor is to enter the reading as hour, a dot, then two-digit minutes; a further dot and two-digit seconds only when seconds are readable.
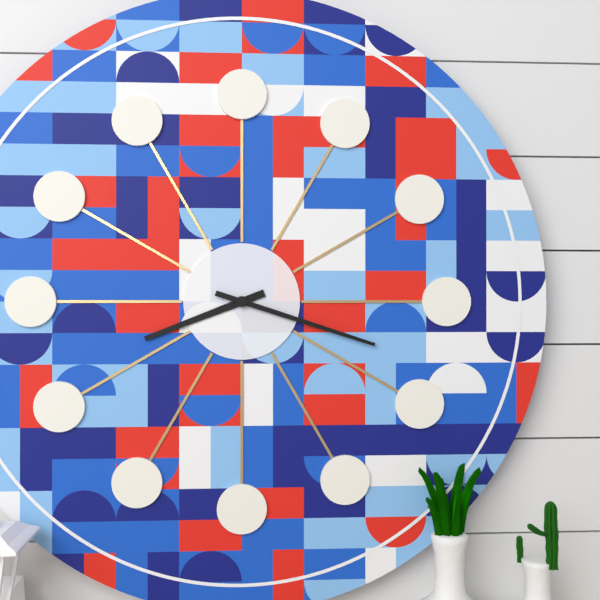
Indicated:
8.18
